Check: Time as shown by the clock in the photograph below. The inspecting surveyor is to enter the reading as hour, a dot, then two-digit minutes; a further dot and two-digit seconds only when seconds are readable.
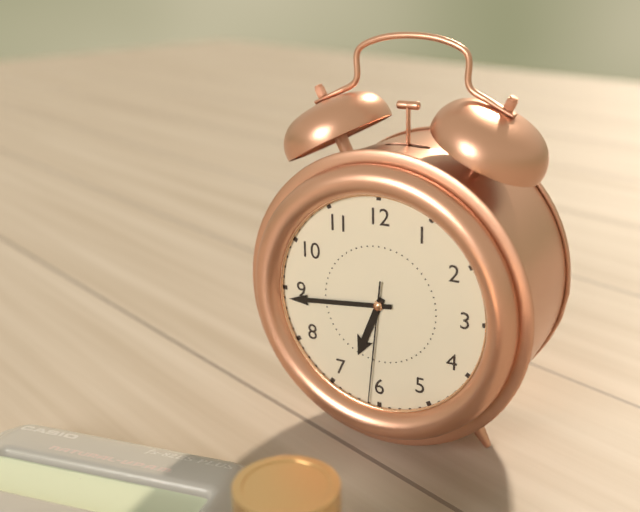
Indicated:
6.44.31
